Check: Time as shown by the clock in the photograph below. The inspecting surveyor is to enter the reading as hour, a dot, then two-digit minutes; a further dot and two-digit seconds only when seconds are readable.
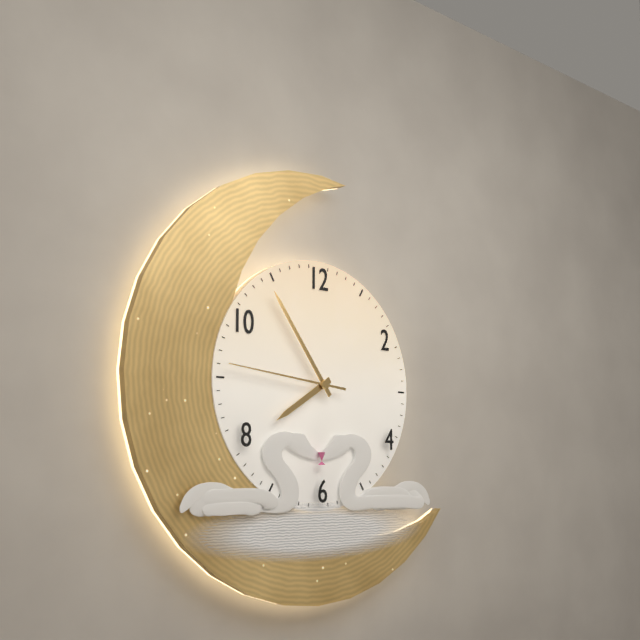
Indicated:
7.54.46
